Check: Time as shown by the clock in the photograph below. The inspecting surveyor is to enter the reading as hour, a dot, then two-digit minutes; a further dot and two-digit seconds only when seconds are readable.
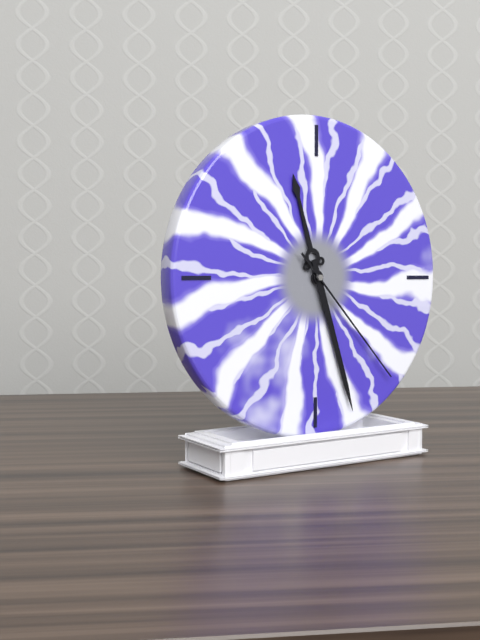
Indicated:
11.27.23
